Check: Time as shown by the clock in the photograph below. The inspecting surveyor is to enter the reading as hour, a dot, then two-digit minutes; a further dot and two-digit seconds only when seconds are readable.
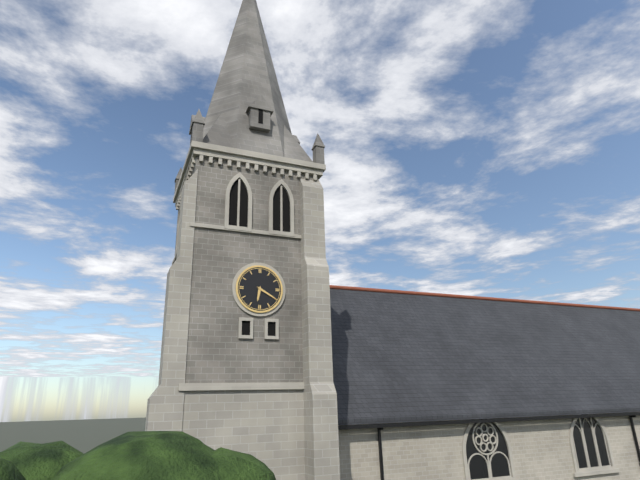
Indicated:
6.20
